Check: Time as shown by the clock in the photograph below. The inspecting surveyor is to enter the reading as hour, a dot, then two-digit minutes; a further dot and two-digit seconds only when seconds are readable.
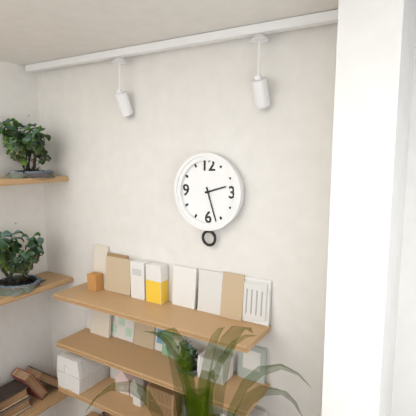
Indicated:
2.27
